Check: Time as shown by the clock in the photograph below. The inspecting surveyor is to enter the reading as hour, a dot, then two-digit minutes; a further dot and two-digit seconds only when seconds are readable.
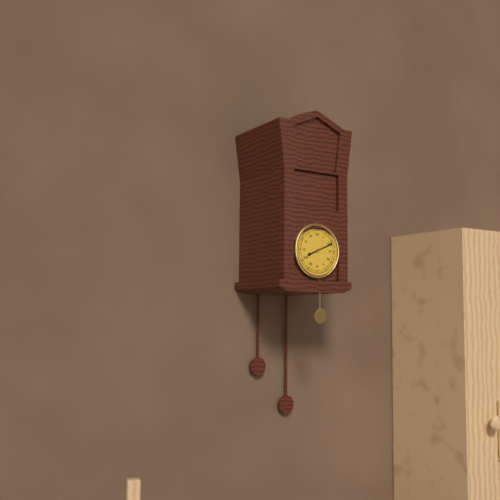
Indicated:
8.11
